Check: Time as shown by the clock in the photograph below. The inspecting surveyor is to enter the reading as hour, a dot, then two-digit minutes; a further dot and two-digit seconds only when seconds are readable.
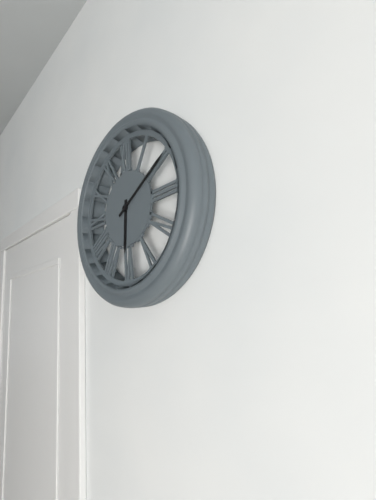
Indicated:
6.10
